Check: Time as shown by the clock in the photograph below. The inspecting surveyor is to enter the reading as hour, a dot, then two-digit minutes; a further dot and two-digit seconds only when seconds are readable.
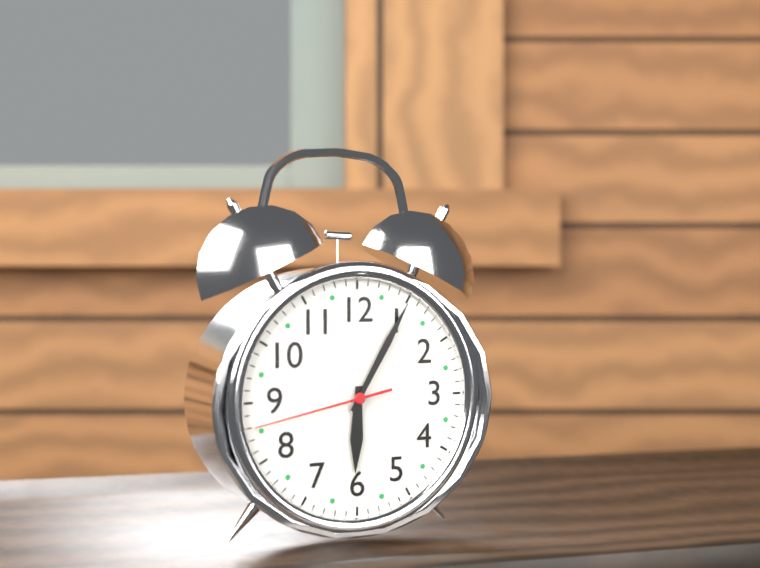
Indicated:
6.05.43
